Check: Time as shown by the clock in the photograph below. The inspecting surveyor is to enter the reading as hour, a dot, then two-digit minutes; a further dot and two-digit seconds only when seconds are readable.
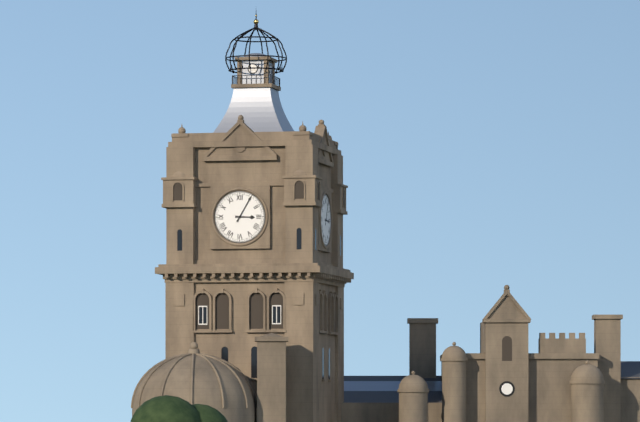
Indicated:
3.05
